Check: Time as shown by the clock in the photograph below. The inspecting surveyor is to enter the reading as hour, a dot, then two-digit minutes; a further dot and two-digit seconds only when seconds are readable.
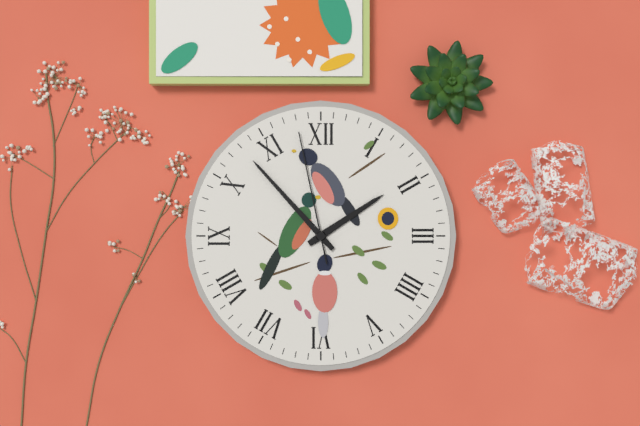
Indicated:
1.53.58
